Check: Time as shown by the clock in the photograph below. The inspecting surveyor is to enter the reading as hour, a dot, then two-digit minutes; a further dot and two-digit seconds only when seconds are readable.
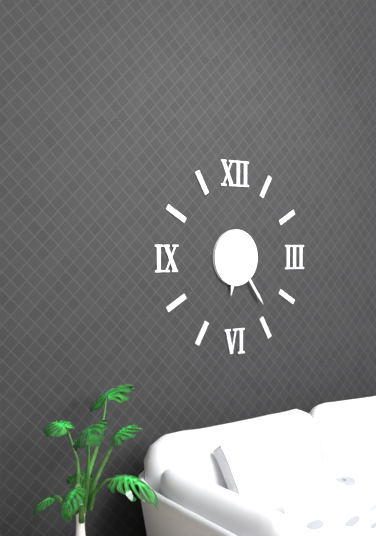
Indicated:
6.24
